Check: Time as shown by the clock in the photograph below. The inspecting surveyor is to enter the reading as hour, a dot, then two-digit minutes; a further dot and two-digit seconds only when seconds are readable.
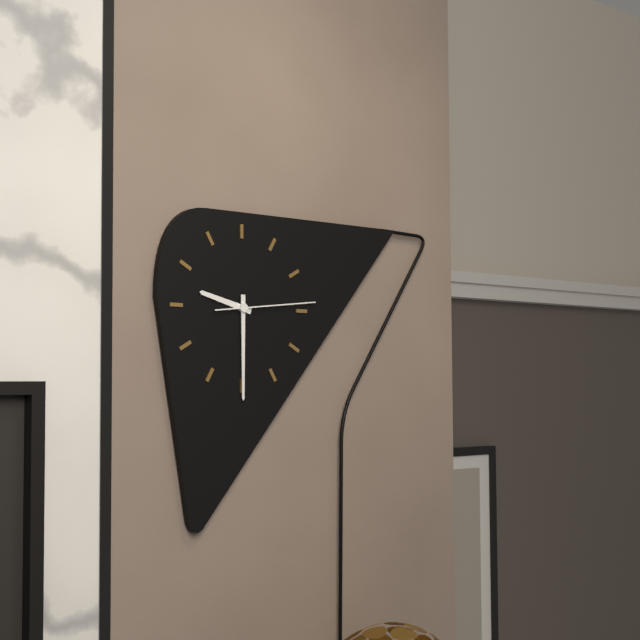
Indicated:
9.30.14
